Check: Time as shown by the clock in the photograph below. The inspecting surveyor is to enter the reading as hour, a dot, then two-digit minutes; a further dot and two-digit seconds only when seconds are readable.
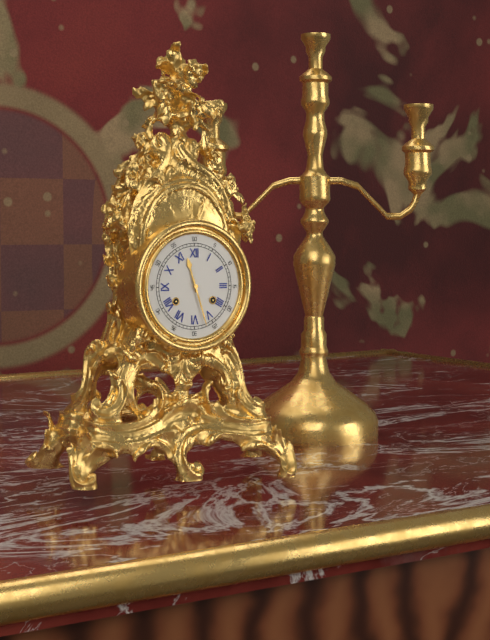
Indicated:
11.27
